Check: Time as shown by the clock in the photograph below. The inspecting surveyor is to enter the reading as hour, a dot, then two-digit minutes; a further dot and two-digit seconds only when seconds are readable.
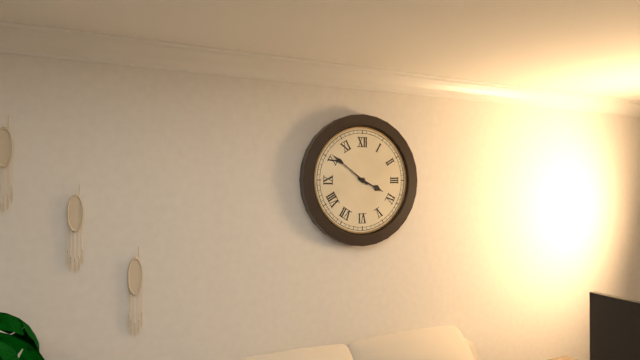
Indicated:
3.51
